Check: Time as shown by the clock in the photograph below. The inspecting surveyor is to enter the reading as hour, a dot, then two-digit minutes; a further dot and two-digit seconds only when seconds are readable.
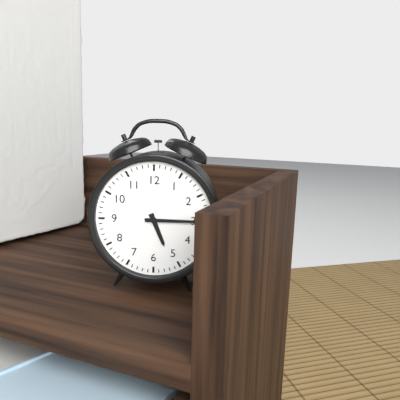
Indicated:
5.15
